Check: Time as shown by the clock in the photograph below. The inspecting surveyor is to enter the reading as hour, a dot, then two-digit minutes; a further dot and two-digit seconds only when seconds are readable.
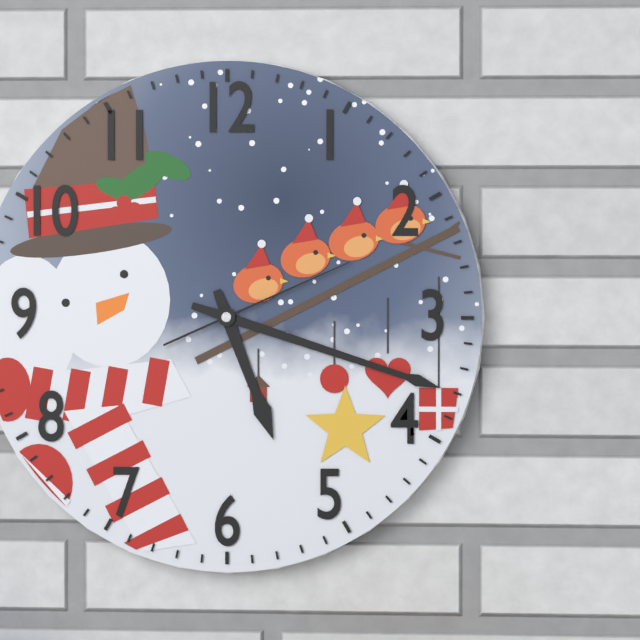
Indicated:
5.18.11
